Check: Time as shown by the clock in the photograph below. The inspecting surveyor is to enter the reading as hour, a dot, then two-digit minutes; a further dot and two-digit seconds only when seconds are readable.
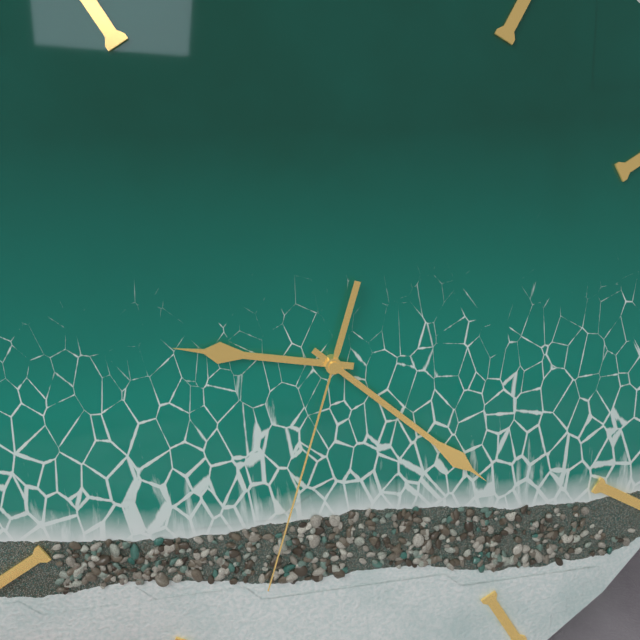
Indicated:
9.22.33
